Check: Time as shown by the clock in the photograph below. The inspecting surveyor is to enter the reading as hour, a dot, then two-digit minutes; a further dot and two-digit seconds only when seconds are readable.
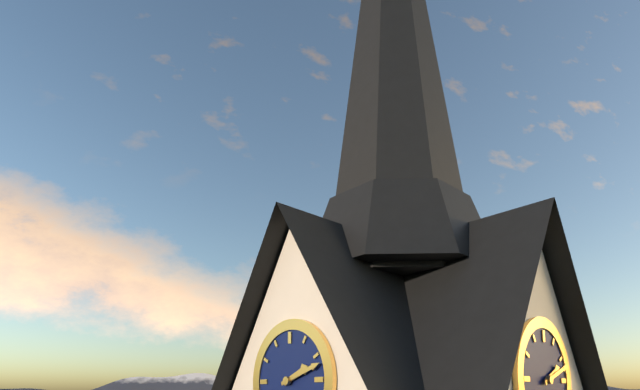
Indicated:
2.12
